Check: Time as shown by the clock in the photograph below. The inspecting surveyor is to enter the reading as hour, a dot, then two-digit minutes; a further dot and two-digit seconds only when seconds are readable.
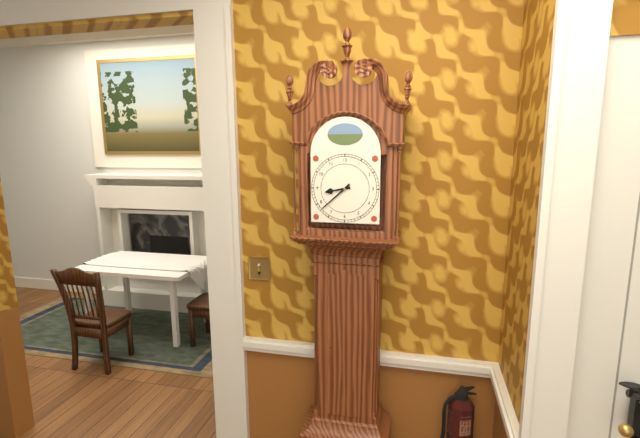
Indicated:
8.38
